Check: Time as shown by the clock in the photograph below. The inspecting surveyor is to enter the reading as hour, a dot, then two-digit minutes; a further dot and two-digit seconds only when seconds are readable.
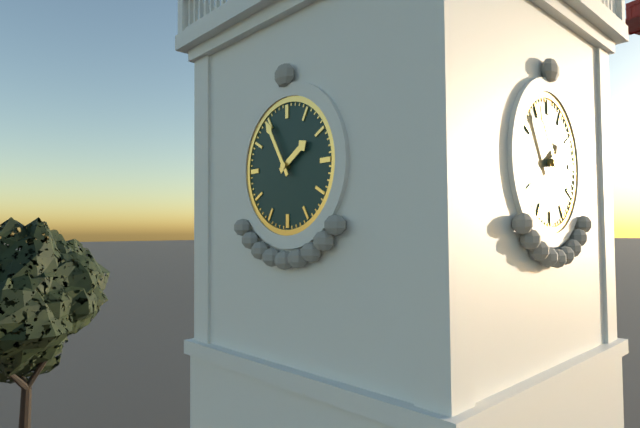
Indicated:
1.55
